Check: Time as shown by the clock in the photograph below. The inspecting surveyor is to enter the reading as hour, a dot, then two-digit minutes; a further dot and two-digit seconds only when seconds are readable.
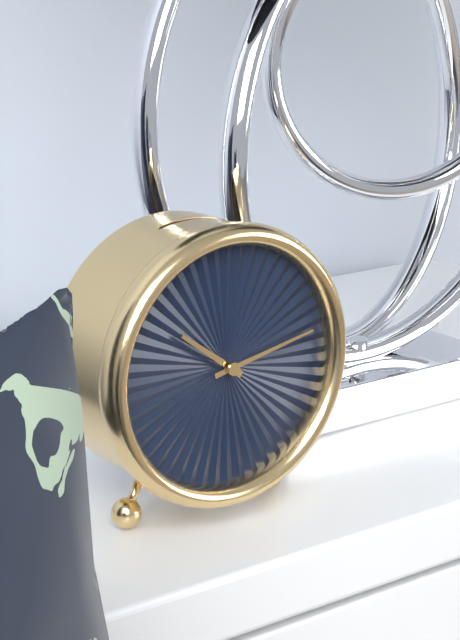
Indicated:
10.13
